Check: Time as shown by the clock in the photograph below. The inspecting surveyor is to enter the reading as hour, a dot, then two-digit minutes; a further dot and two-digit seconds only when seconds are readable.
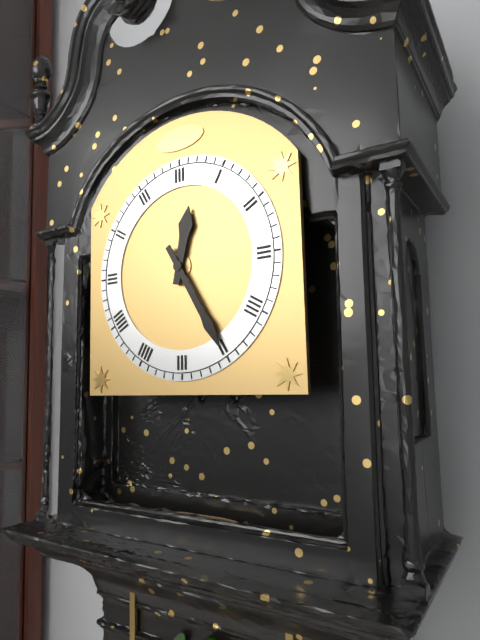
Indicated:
12.25
